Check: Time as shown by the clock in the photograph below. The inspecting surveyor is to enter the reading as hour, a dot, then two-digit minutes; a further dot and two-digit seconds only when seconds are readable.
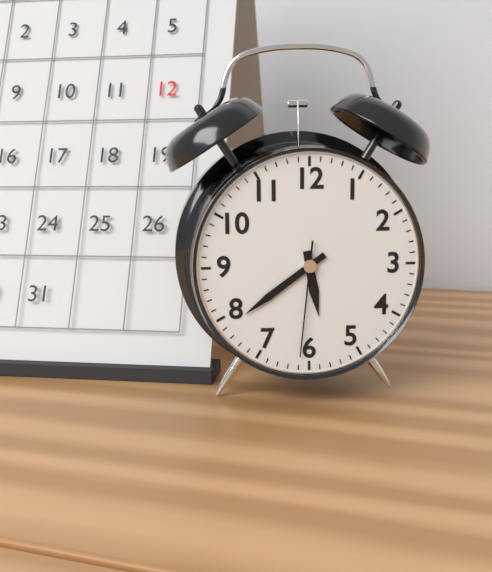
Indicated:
5.39.31
